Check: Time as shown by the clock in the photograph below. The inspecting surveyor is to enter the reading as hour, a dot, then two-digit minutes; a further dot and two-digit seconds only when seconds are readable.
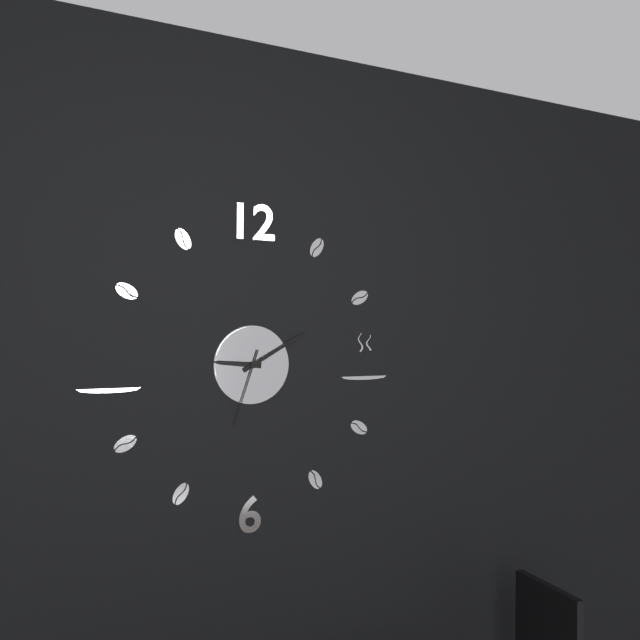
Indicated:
9.10.33
